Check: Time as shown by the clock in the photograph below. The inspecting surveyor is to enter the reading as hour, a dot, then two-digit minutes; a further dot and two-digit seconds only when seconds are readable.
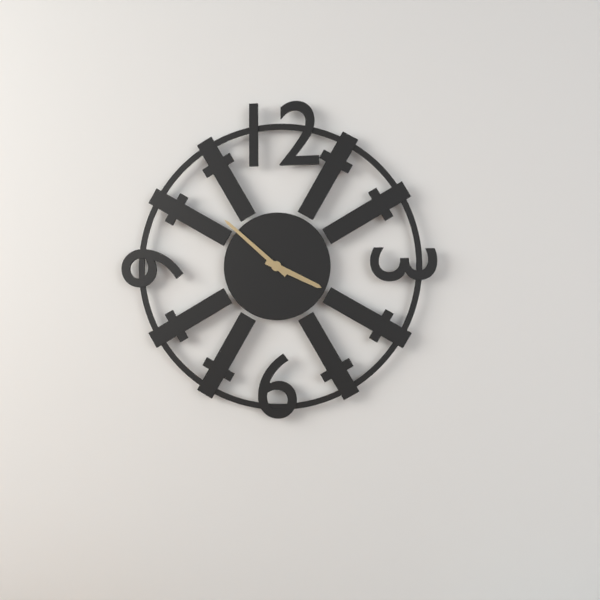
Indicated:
3.52
